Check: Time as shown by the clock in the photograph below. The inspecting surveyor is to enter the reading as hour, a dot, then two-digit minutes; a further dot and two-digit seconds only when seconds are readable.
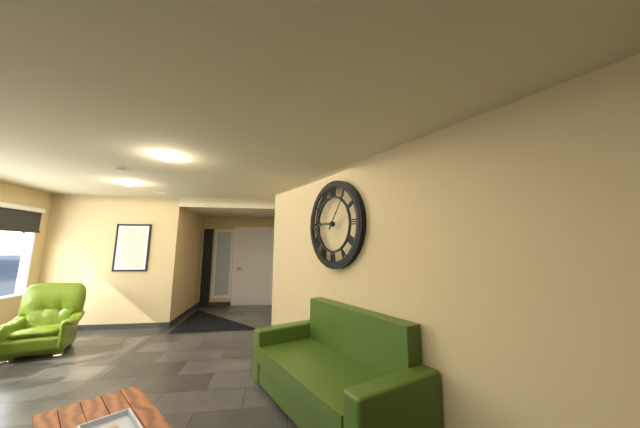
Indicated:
9.06
